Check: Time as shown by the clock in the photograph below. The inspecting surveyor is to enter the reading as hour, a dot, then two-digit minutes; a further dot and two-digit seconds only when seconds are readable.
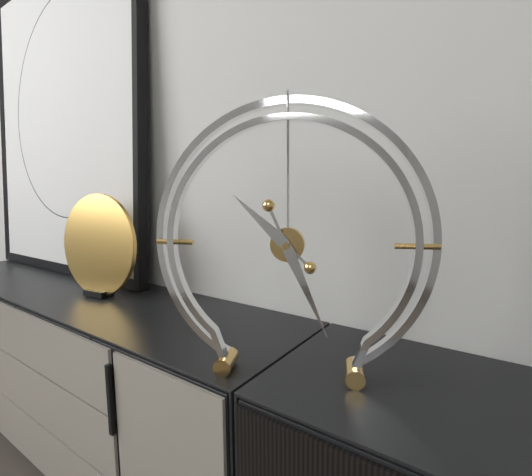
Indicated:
10.26
